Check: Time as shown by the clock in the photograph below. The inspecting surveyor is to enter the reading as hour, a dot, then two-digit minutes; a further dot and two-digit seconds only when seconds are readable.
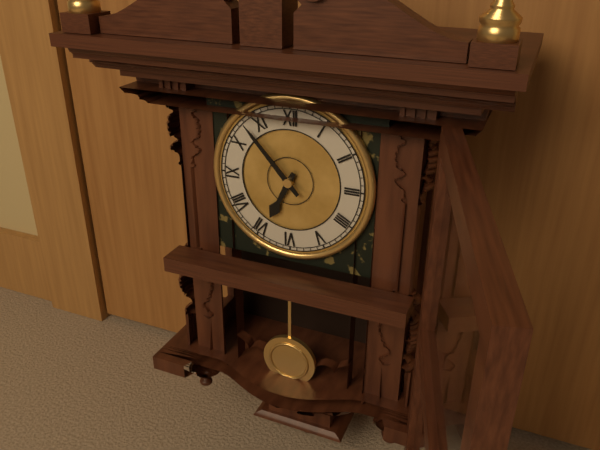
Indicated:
6.53
